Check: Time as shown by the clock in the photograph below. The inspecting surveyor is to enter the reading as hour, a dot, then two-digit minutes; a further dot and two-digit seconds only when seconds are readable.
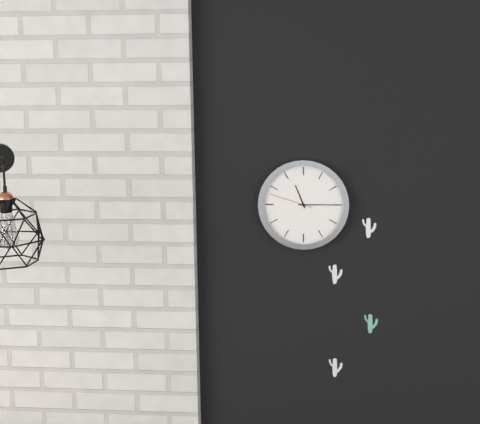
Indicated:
11.15
